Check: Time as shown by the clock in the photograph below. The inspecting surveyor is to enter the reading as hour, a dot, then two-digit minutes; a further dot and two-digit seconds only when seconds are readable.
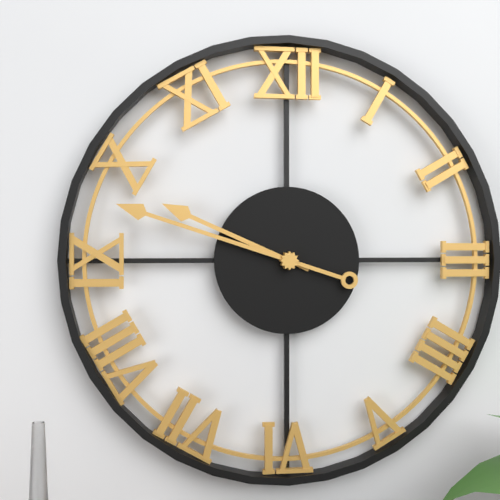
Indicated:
9.48
